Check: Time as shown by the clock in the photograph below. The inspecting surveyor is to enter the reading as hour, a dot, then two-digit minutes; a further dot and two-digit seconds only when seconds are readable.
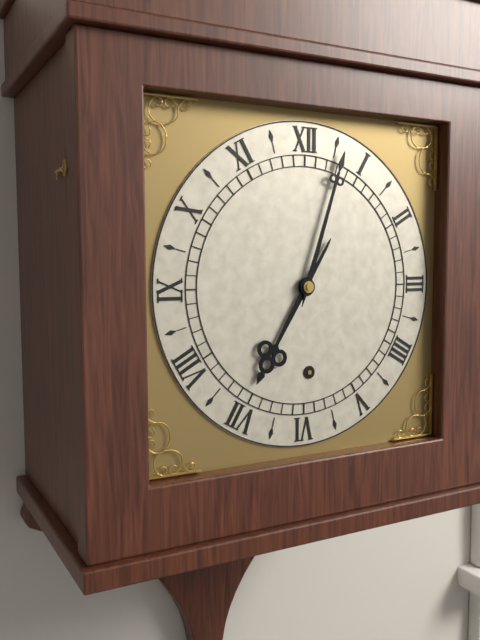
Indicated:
7.03
